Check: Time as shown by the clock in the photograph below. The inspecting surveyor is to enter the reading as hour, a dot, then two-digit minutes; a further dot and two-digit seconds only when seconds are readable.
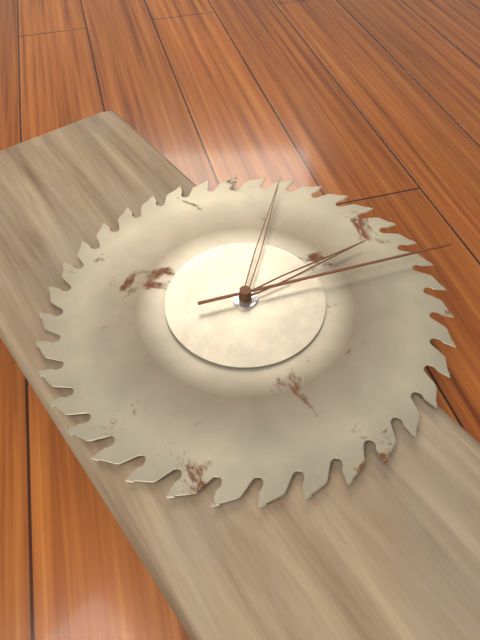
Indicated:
3.08.18
